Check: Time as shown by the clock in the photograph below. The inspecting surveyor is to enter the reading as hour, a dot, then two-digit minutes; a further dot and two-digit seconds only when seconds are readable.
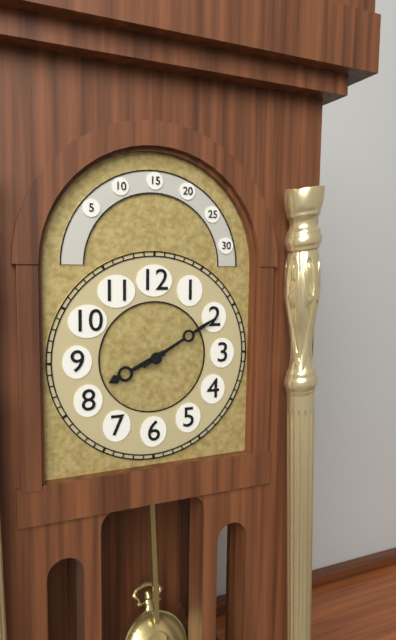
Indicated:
8.10
